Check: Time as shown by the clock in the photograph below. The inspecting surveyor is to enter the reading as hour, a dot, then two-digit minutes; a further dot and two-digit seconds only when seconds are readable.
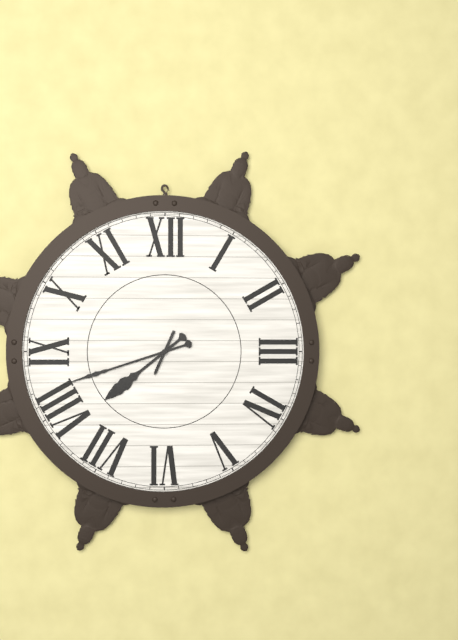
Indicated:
7.42
